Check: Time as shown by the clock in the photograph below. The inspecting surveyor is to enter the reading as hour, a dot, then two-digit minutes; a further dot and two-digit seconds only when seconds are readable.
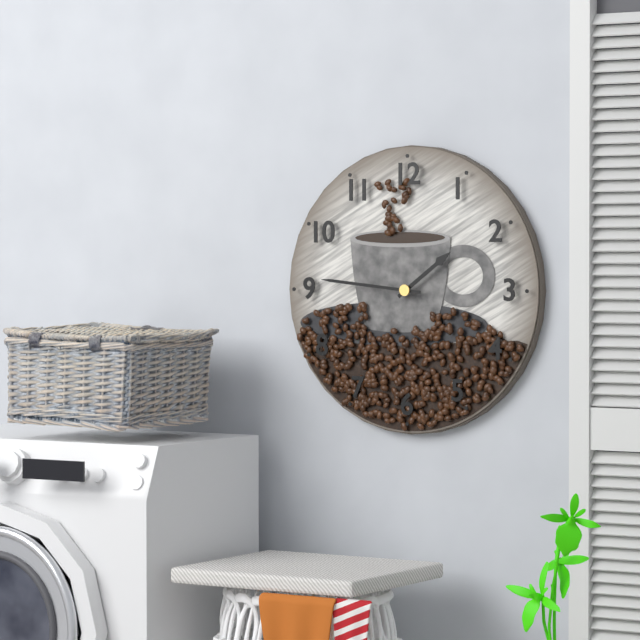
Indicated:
1.46
